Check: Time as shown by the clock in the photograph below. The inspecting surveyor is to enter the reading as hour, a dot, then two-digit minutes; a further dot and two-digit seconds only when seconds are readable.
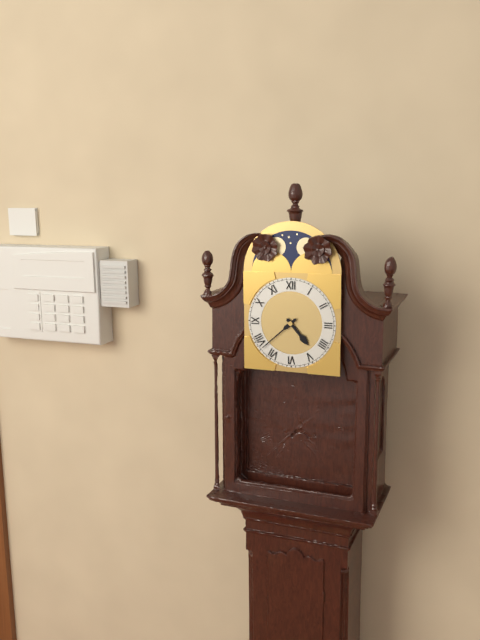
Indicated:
4.38
